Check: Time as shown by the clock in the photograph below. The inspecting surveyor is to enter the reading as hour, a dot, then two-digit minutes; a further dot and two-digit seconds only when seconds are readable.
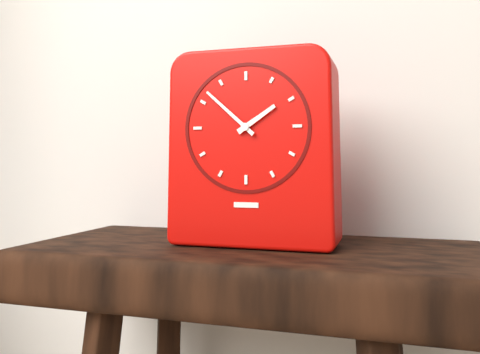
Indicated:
1.52
